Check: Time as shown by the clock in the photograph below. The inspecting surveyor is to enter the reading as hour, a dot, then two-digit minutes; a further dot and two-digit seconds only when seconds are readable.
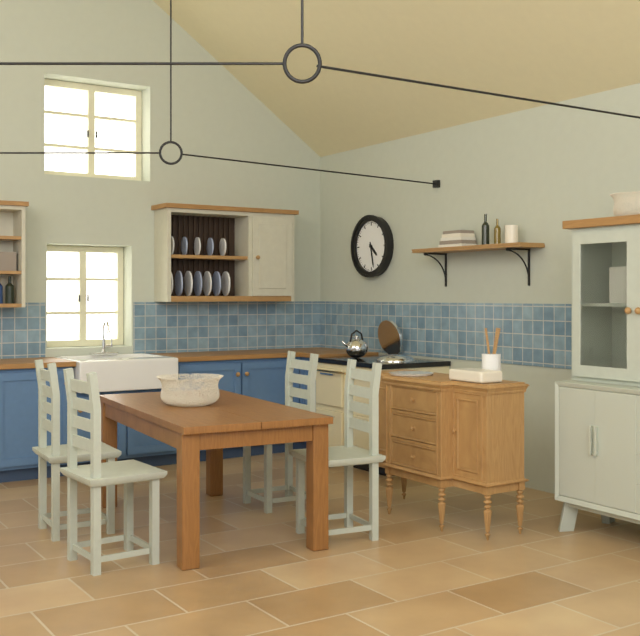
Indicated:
4.28
